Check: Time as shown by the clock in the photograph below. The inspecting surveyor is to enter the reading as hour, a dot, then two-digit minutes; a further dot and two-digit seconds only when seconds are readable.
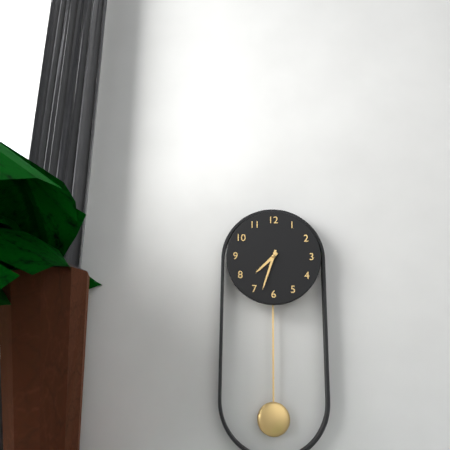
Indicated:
7.33
